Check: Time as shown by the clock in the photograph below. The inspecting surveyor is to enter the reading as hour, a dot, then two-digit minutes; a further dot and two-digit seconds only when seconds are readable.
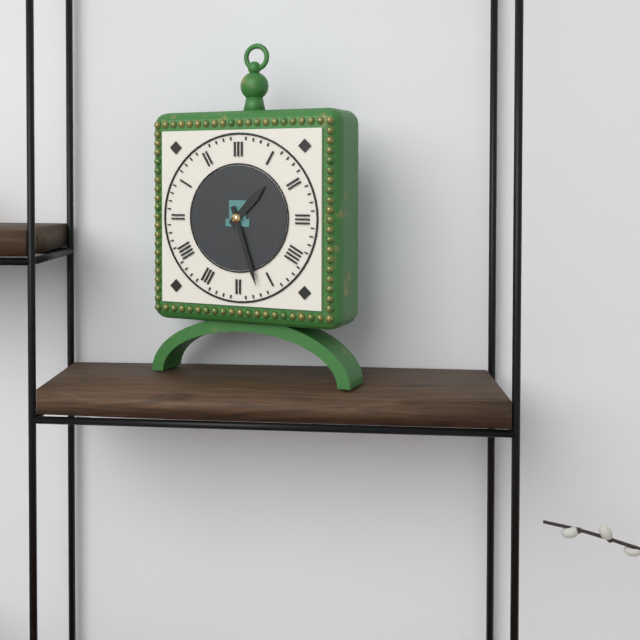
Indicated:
1.27
